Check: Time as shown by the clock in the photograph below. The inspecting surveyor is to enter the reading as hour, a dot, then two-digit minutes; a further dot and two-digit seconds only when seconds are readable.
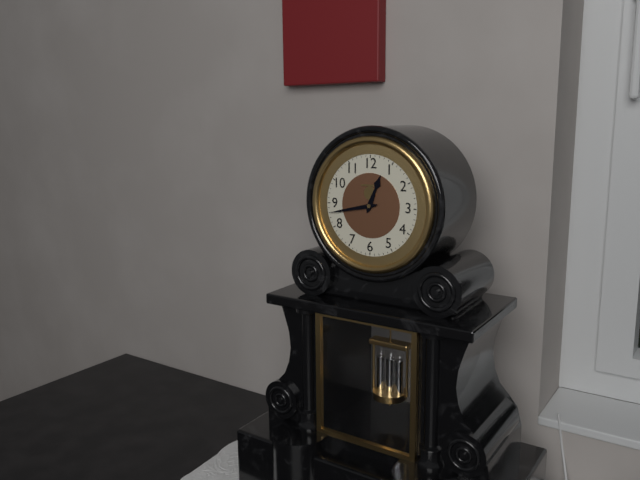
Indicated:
12.43
